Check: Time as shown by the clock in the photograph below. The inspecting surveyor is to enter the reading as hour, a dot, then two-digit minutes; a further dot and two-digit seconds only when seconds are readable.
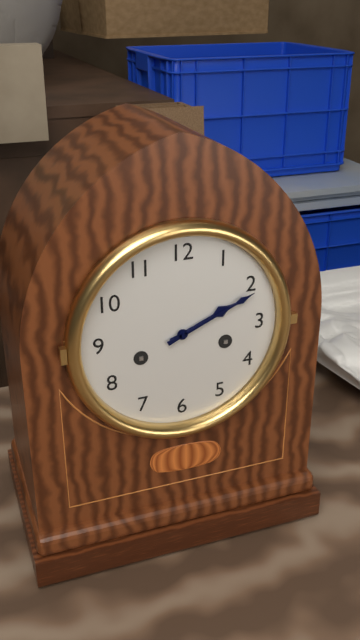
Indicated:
2.11
